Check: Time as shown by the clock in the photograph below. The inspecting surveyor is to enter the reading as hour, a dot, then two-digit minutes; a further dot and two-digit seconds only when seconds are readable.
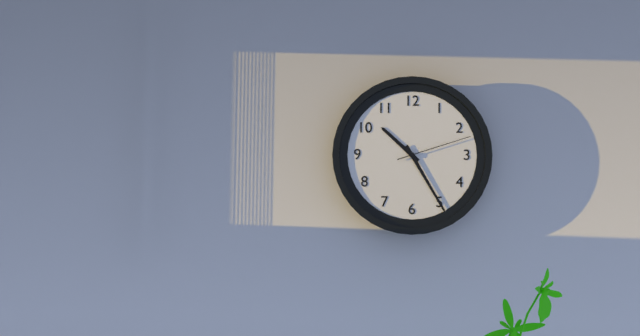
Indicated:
10.25.12
